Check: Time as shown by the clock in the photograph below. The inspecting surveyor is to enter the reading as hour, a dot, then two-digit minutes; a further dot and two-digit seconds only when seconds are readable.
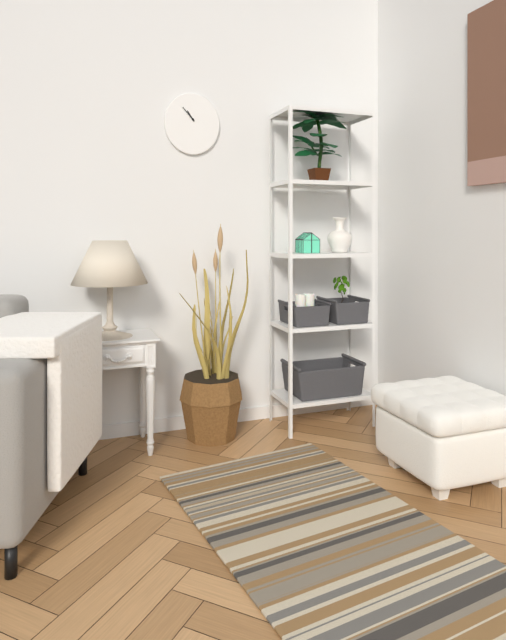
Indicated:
10.53
